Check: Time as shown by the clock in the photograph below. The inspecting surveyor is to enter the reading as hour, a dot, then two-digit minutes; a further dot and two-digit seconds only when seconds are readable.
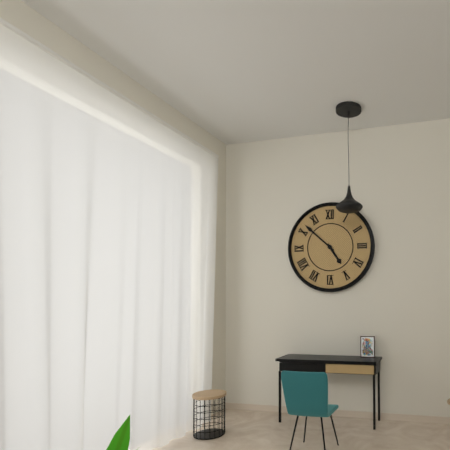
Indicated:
4.52
